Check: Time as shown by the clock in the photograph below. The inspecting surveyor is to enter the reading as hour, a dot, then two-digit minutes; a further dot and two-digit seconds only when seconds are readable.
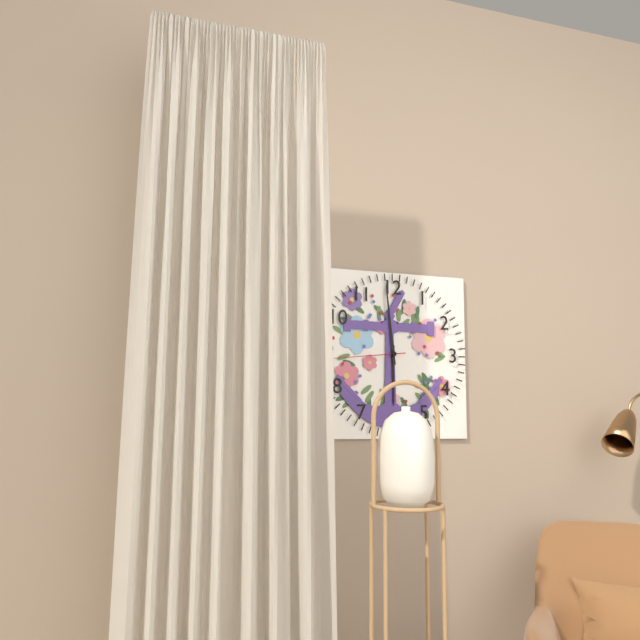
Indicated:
5.59.44
